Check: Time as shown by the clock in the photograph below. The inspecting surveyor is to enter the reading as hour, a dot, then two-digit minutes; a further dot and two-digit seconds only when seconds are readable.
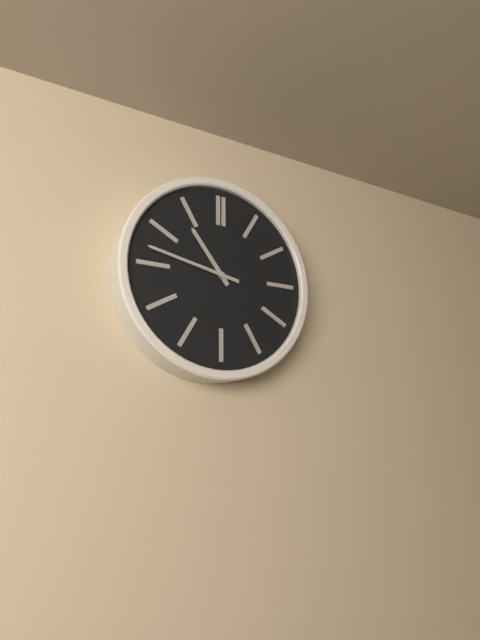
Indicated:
10.47
